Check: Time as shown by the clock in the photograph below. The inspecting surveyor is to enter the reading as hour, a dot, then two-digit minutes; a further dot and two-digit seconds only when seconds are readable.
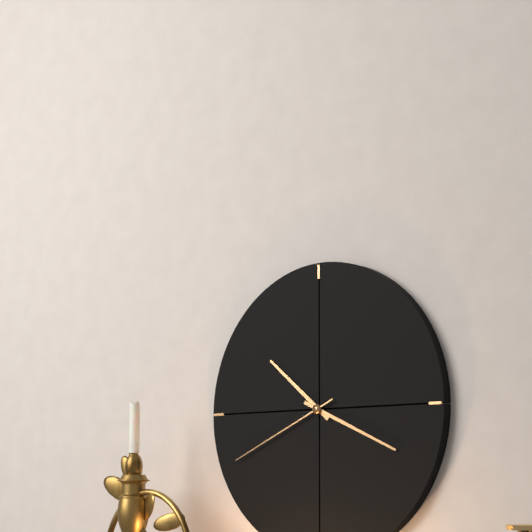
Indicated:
10.19.41
